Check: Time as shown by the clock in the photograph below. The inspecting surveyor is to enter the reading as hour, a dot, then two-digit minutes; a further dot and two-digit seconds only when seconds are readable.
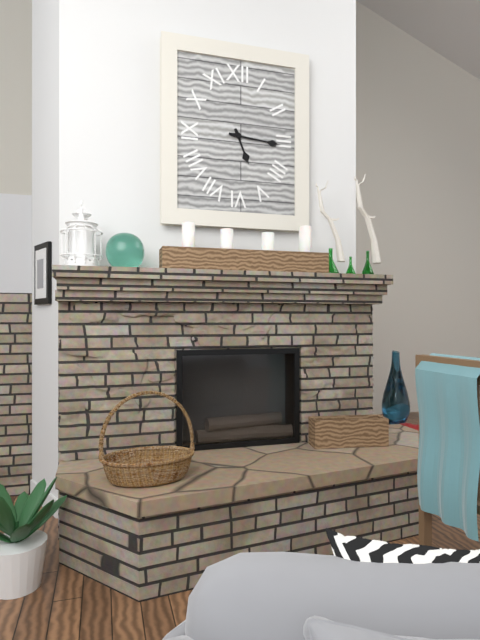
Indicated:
5.16
